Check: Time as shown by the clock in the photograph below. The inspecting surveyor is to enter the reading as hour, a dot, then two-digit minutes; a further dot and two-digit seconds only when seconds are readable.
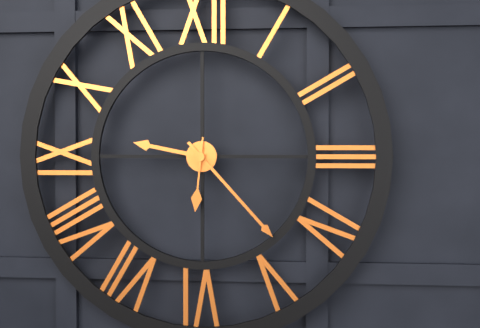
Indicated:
9.23.31
